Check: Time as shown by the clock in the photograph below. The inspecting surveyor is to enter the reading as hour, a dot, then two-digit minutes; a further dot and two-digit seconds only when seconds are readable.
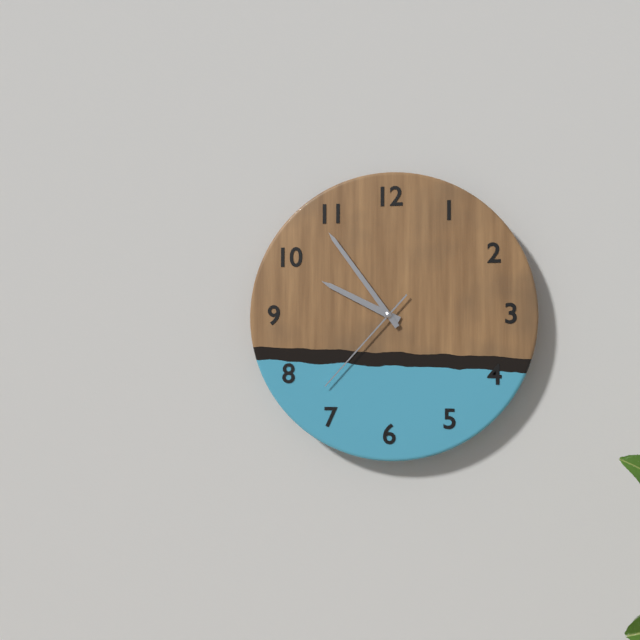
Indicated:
9.54.37
